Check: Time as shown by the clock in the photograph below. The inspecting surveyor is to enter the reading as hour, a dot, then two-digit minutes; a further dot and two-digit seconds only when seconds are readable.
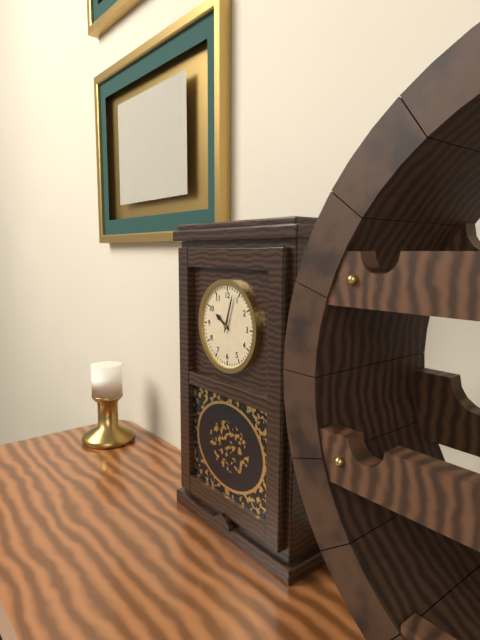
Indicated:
10.03
